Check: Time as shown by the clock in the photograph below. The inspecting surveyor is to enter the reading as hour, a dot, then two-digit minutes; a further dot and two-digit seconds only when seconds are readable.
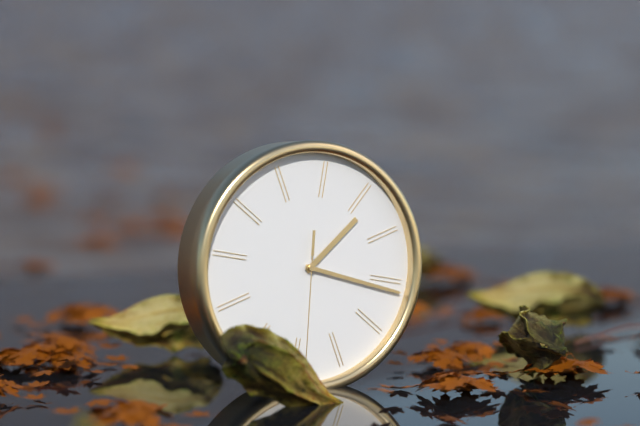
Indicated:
1.16.29
